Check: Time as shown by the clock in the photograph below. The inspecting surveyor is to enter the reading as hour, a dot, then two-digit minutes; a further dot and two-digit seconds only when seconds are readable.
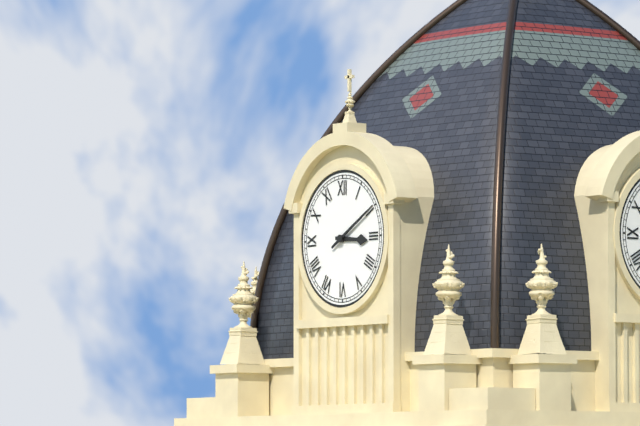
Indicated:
3.10
